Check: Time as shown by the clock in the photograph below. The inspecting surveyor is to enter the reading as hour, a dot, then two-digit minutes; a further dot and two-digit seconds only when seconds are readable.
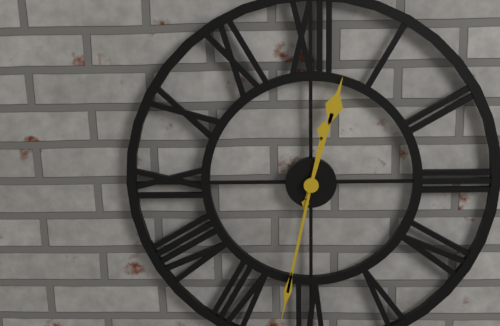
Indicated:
12.32
